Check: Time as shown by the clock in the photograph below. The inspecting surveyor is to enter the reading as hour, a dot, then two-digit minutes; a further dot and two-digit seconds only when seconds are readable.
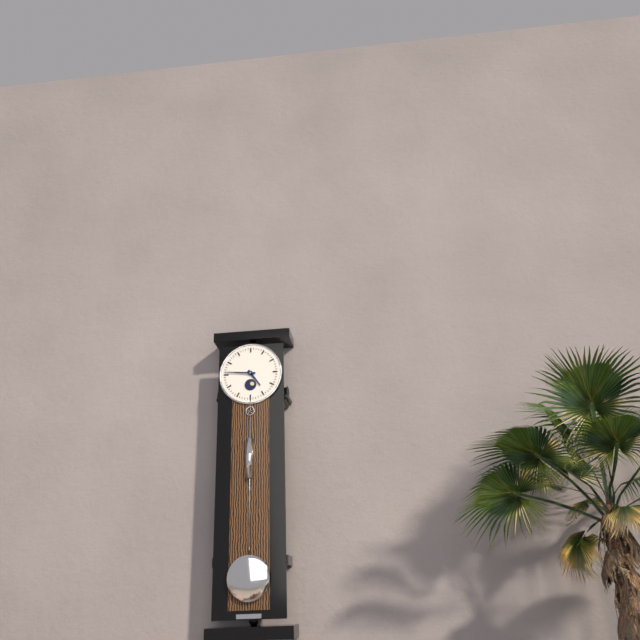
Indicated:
4.46
